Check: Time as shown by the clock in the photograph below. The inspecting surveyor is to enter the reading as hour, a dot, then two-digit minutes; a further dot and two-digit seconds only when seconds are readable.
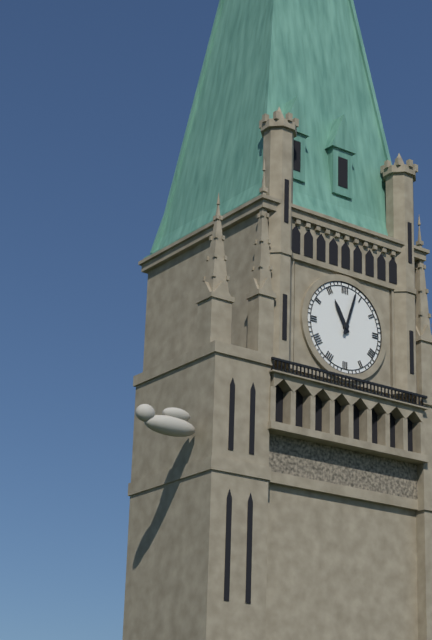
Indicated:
11.03
